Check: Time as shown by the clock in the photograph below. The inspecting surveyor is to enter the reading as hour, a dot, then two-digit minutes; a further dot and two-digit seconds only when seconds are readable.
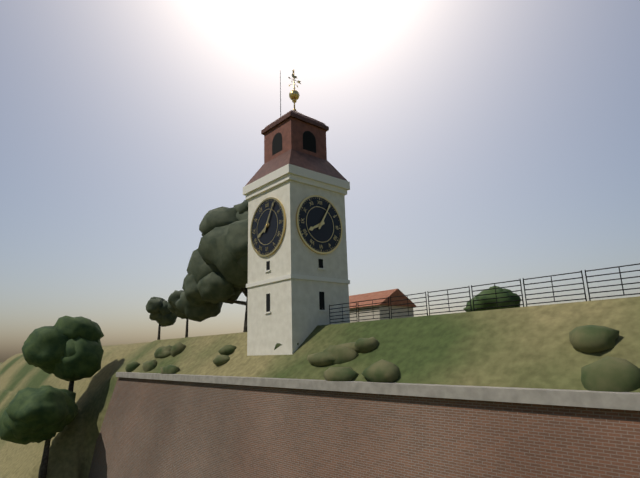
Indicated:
8.05
